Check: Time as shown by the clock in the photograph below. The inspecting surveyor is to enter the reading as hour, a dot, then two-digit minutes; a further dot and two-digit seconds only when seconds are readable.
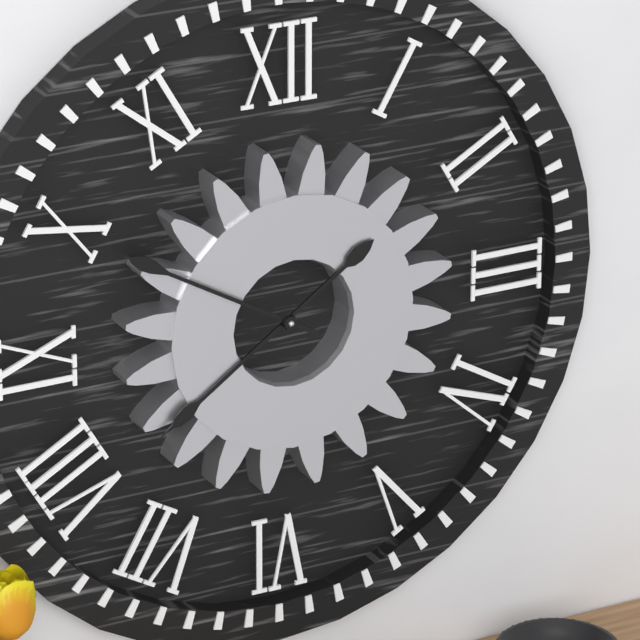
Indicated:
7.50
